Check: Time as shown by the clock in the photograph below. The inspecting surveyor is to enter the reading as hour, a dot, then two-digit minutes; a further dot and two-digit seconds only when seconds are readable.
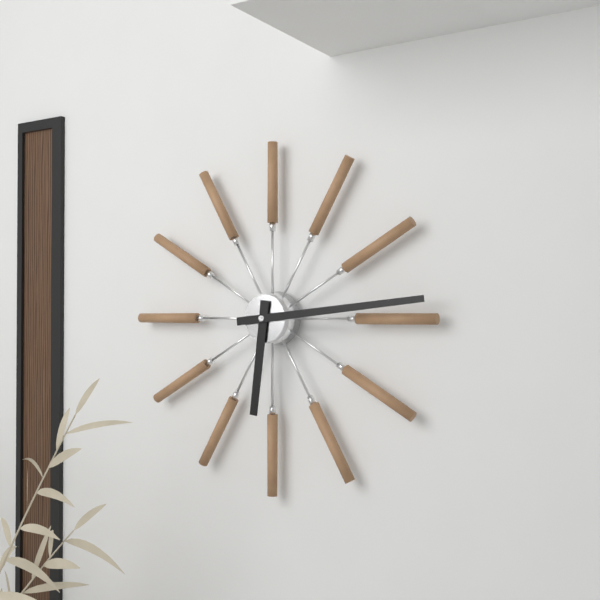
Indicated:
6.14
